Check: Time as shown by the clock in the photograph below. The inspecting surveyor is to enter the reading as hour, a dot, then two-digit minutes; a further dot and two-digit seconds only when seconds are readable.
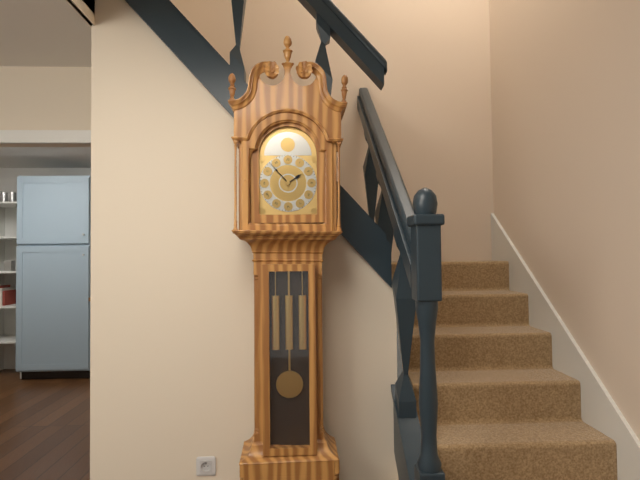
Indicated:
1.53
